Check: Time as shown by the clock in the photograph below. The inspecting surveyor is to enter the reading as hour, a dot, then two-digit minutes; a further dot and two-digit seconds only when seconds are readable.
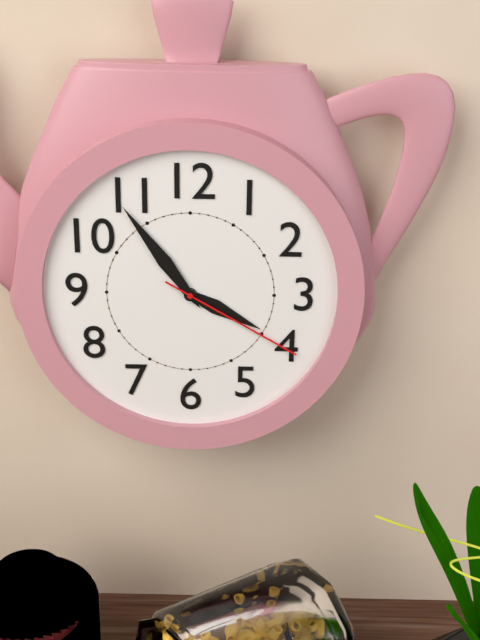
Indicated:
3.54.20
